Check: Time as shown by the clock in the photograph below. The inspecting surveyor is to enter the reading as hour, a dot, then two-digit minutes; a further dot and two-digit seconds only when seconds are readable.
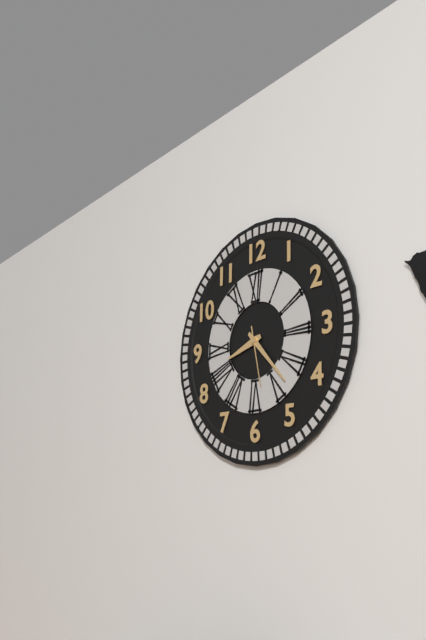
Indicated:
8.23.28
